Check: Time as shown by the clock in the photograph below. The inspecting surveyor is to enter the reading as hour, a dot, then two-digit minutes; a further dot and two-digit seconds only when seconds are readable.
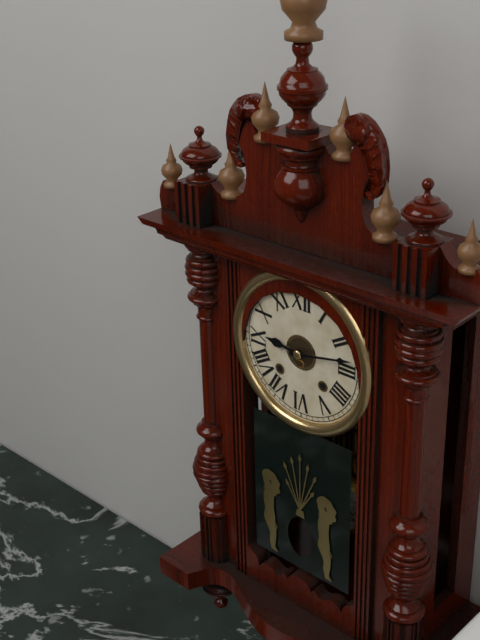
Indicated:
9.13
